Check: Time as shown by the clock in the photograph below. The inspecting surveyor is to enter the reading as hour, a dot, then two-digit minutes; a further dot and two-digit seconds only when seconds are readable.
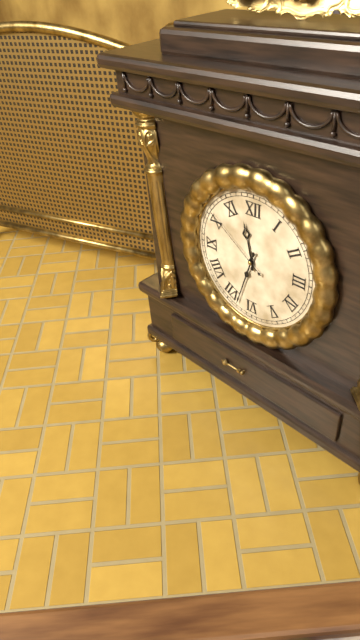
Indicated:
11.33.51
